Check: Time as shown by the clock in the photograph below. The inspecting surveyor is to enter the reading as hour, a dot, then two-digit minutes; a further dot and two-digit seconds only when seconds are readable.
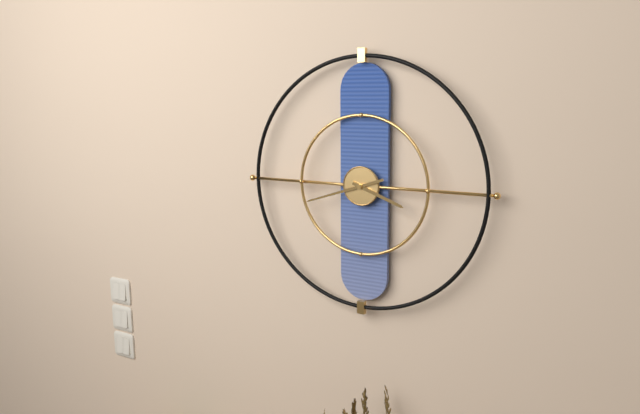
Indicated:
3.42
